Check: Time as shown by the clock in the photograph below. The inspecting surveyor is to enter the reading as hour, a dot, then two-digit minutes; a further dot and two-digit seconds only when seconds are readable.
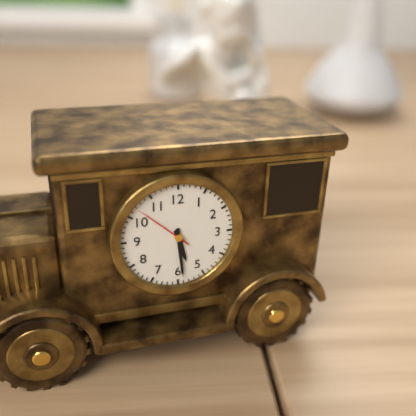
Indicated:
5.29.52
